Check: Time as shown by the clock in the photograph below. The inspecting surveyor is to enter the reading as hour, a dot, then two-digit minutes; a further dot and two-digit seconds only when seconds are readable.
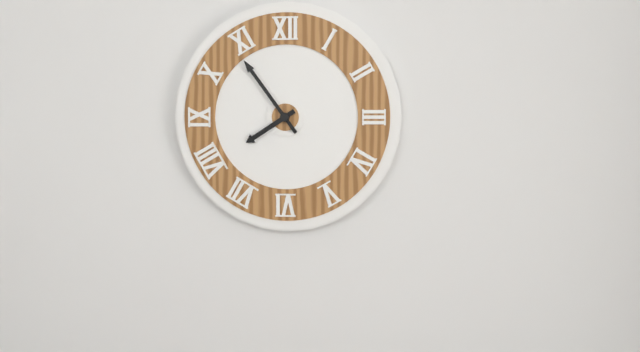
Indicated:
7.54
